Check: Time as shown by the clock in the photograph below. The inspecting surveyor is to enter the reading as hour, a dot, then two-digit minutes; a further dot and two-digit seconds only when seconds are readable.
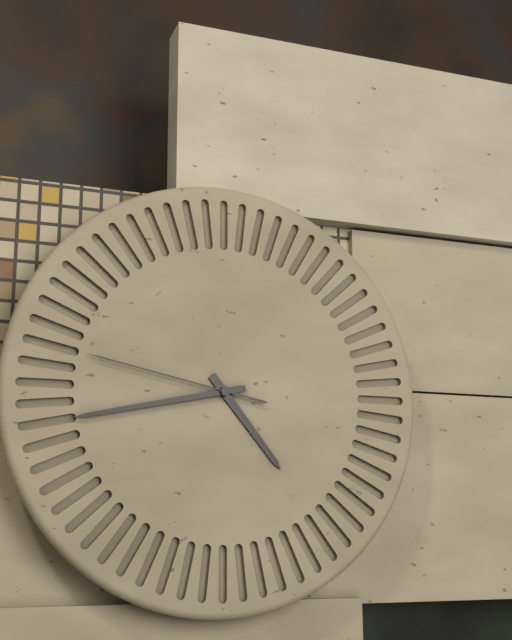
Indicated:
4.43.47
